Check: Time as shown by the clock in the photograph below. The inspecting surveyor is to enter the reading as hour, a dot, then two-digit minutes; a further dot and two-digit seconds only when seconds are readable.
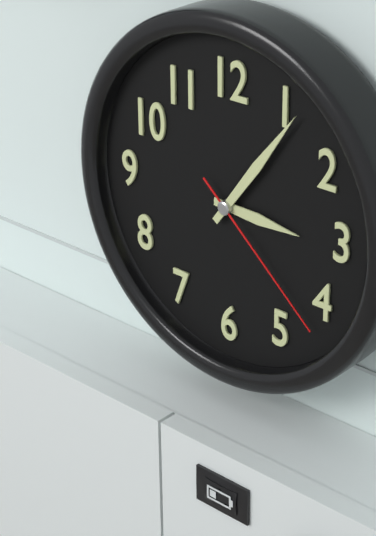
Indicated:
3.06.22
